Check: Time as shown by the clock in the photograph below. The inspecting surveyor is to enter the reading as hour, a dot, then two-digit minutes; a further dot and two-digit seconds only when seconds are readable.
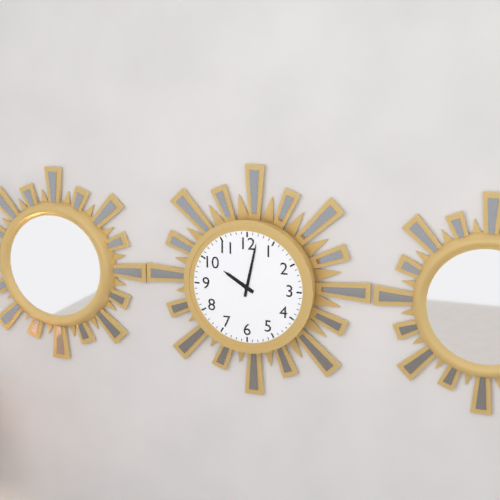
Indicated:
10.02
